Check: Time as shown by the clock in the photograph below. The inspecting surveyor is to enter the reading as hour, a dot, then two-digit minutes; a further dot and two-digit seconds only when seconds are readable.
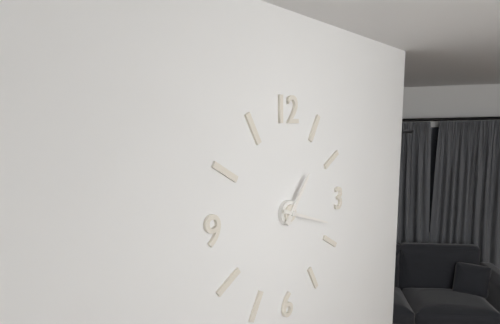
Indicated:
1.18
